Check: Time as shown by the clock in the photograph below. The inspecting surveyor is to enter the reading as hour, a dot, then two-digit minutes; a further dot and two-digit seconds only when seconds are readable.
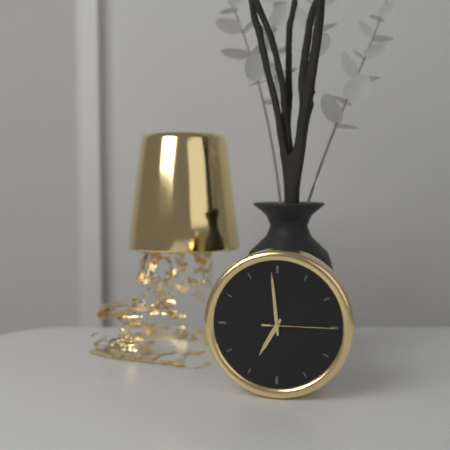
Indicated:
6.59.15
